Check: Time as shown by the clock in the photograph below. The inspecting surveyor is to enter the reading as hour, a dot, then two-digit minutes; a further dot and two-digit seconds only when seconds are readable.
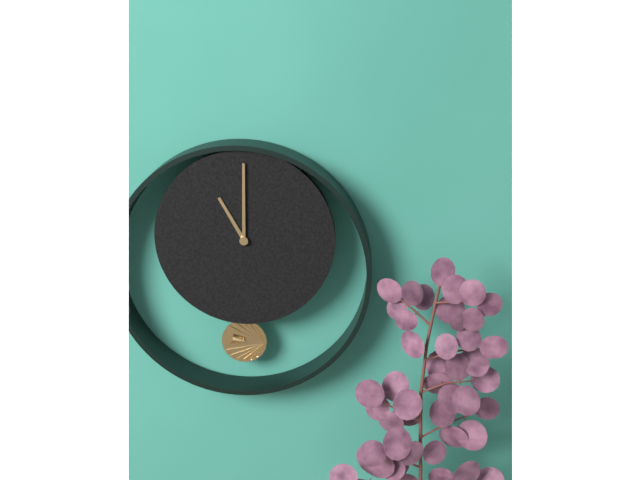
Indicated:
11.00
